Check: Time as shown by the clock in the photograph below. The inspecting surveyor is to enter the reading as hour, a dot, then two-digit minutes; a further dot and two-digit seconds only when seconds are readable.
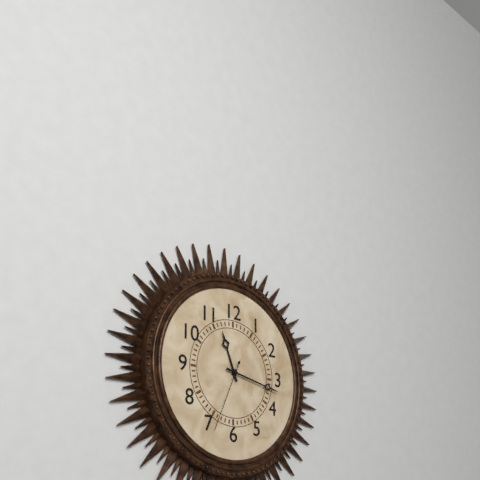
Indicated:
11.17.34
